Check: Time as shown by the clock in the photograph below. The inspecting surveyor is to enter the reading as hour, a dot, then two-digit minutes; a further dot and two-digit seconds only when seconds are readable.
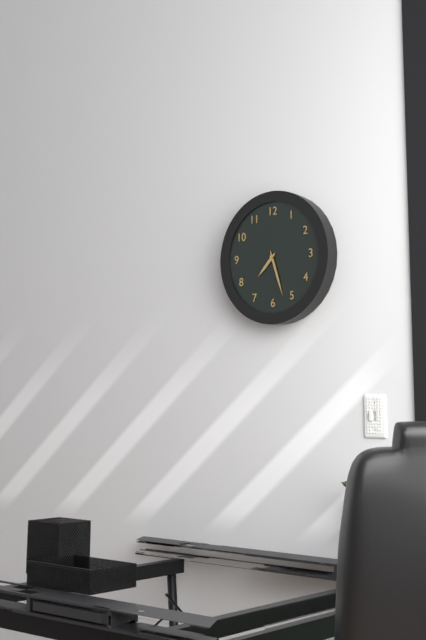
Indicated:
7.27
